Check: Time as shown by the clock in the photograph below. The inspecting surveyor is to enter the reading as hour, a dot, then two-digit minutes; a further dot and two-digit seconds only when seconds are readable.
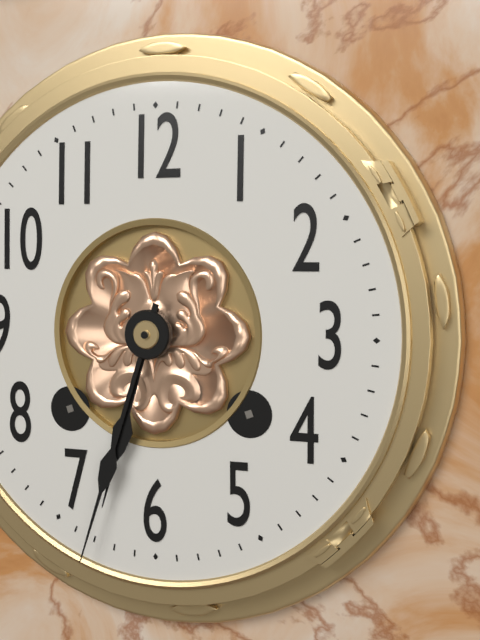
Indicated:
6.33
